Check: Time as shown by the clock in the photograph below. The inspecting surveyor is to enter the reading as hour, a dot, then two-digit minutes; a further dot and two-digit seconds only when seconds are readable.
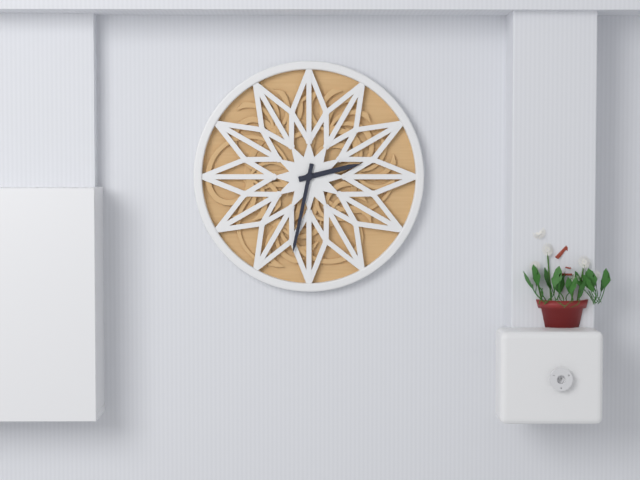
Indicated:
2.32
